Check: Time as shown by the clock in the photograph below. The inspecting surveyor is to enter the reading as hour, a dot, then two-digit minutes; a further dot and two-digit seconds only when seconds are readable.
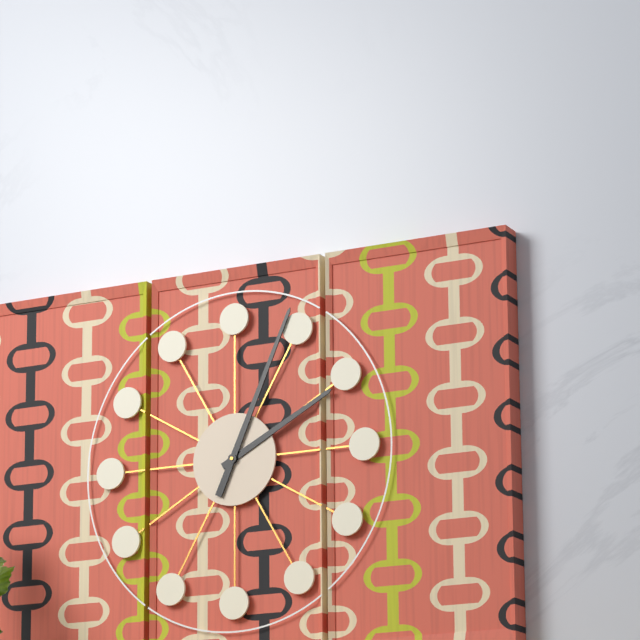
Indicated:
2.04
